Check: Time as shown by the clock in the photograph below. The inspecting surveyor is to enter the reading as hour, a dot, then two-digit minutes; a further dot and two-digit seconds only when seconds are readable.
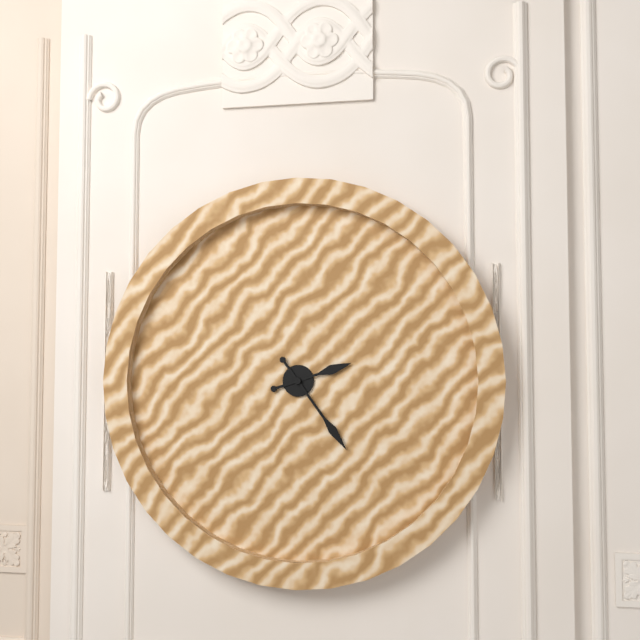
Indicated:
2.24
